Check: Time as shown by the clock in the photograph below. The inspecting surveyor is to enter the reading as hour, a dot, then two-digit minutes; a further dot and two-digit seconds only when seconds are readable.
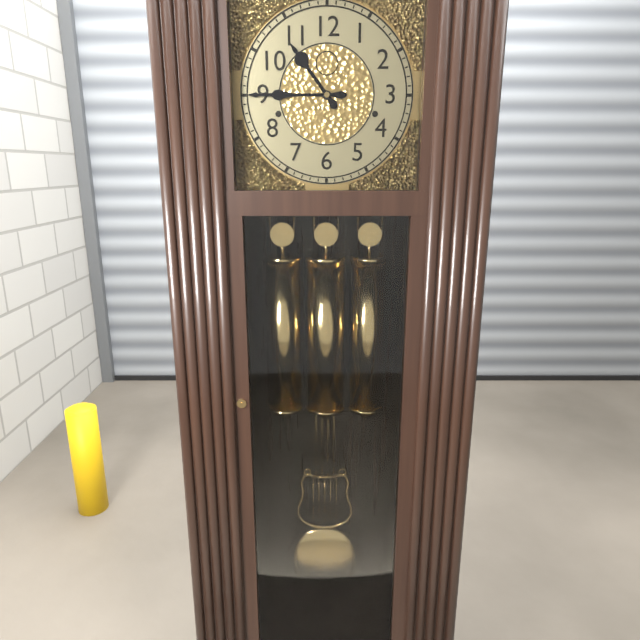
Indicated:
10.45
